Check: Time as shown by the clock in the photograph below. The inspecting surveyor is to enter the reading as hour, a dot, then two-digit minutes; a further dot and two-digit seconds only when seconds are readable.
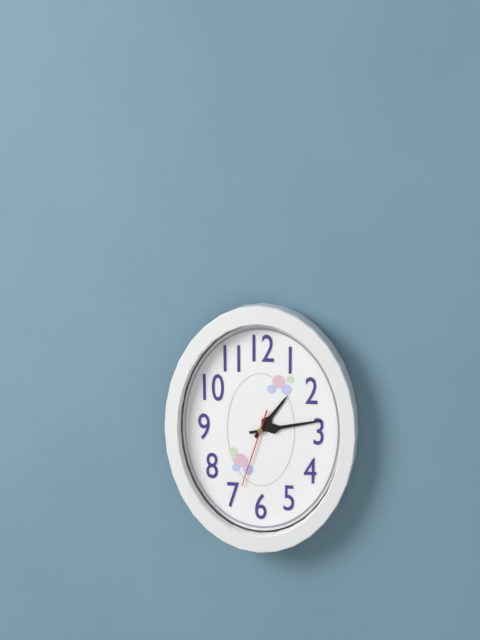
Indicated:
1.13.33
